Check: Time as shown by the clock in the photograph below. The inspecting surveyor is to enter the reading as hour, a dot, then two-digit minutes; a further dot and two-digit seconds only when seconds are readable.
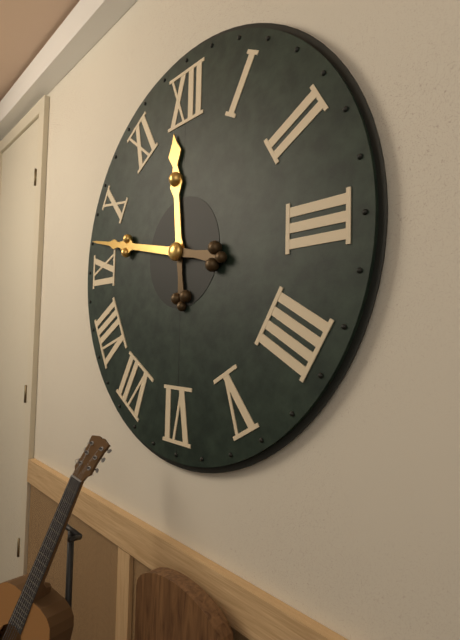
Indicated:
11.47
